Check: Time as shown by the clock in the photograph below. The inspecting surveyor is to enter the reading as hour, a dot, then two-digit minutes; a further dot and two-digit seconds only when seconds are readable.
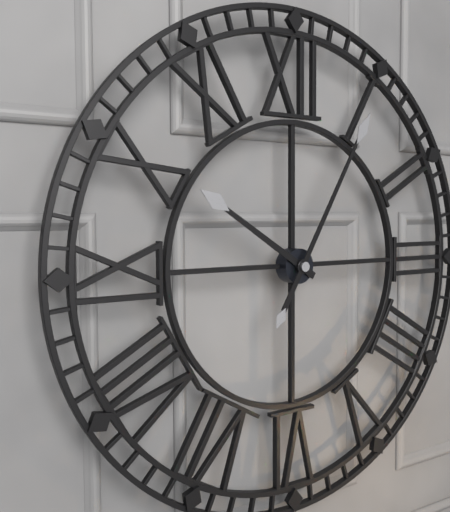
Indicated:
10.05
